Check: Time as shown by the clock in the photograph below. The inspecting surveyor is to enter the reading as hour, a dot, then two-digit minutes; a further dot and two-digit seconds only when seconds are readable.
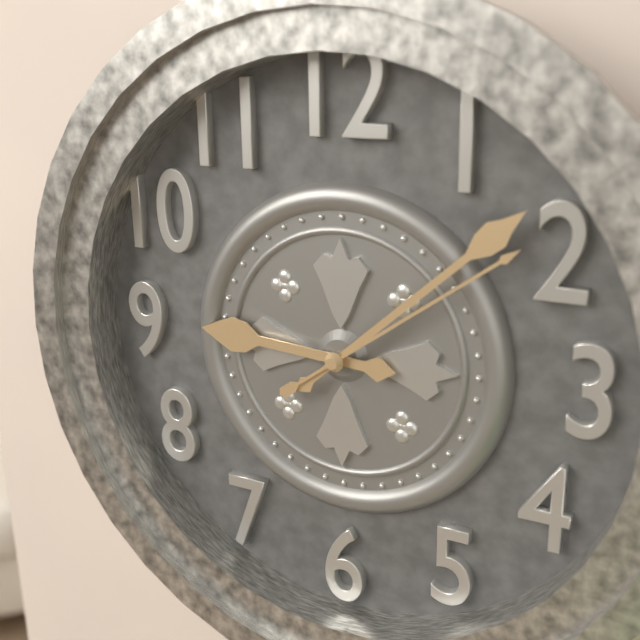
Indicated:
9.08.09
